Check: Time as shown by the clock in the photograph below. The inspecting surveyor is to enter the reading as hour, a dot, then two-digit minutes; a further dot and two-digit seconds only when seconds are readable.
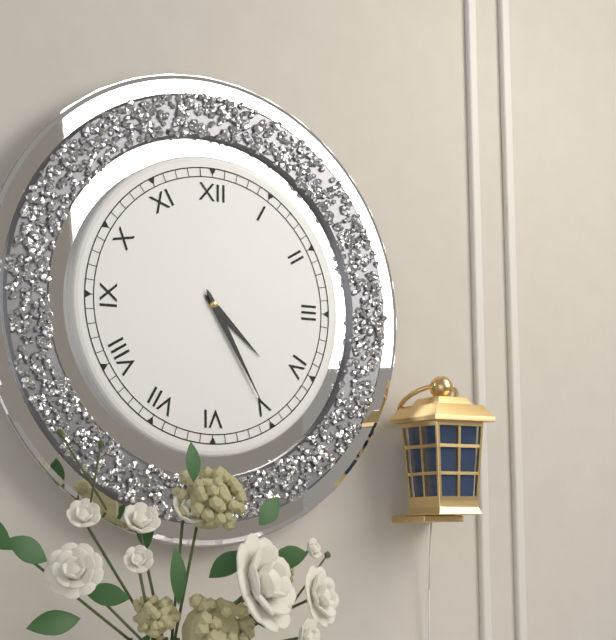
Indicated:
4.25
